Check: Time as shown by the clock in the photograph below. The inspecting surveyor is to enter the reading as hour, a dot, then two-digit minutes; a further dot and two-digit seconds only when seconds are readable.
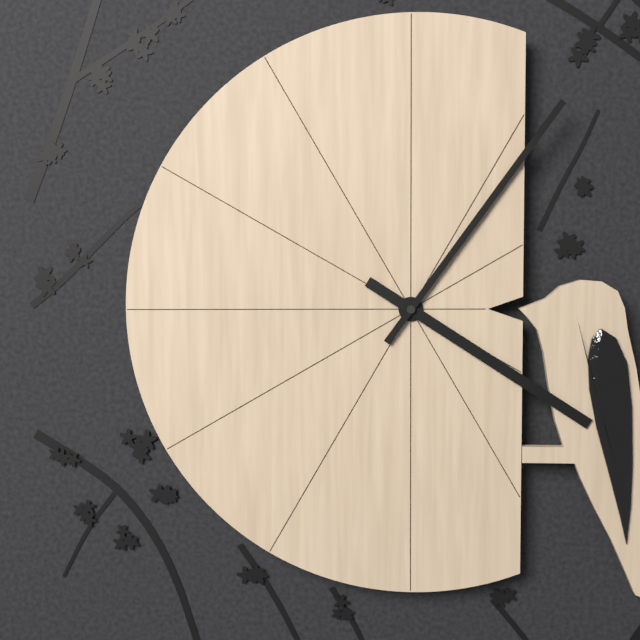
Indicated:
4.06
